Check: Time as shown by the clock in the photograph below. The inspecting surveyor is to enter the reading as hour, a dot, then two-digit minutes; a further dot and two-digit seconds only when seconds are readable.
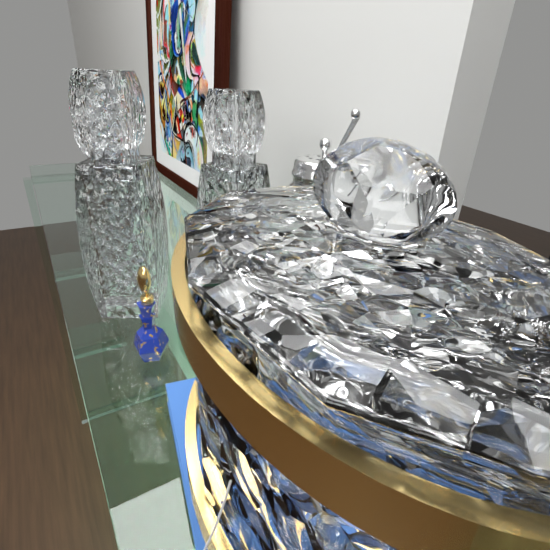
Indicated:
2.47
